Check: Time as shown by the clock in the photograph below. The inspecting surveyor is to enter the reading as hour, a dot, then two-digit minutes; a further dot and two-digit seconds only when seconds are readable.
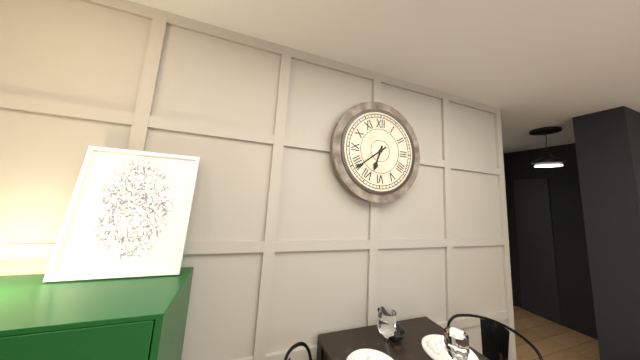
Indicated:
6.39
